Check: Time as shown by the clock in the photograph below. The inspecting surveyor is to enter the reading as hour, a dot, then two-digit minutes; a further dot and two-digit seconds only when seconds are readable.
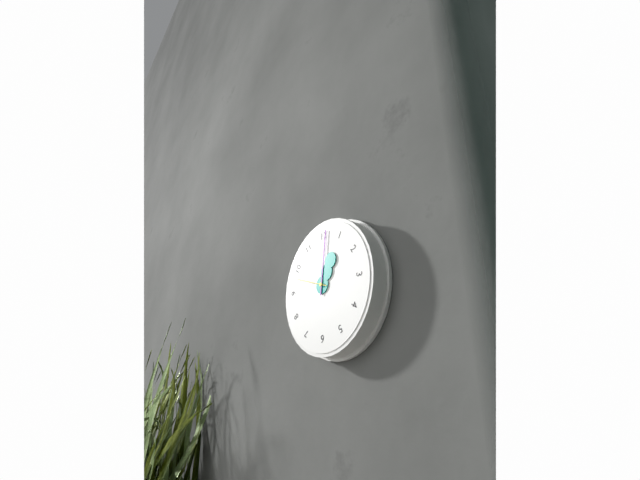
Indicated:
1.01.48
